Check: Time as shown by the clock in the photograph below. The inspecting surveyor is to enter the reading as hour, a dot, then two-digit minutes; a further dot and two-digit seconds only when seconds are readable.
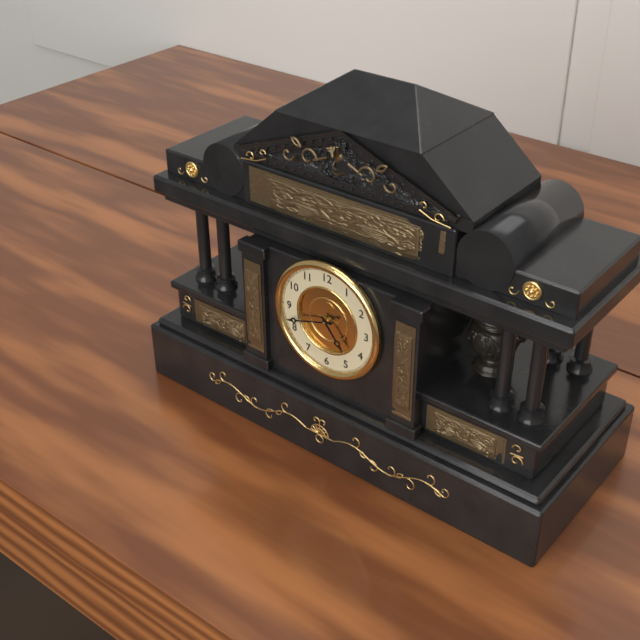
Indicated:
4.42
